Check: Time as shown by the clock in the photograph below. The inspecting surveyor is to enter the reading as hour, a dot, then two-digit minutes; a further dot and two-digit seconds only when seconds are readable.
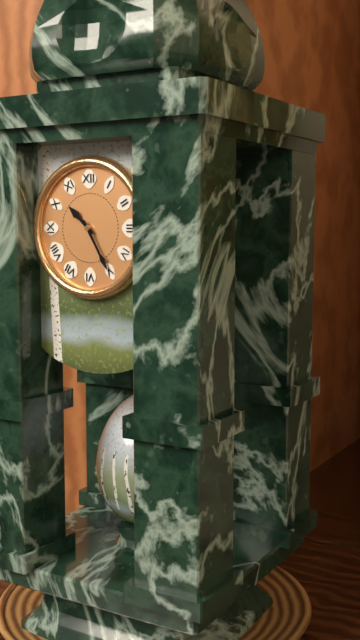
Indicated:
10.25
